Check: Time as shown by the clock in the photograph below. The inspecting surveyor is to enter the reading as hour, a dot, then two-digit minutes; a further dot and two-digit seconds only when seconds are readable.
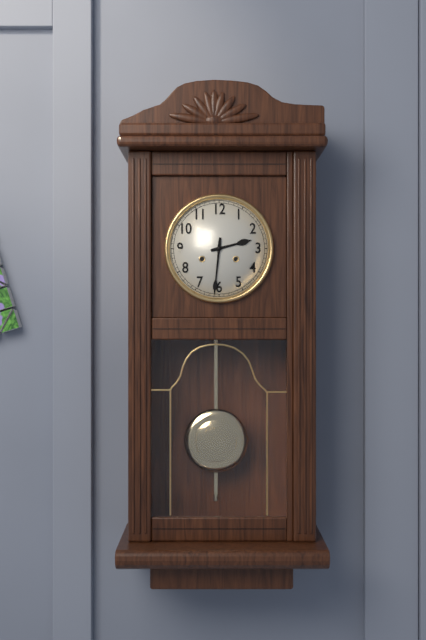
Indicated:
2.31
